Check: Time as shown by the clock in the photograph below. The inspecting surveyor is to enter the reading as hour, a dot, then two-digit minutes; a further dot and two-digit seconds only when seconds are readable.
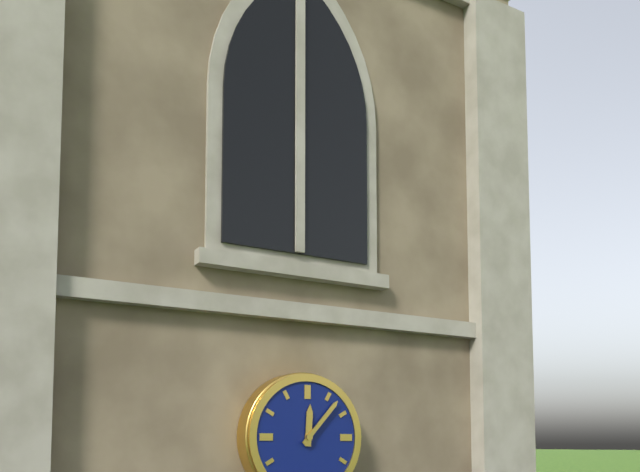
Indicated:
12.07
